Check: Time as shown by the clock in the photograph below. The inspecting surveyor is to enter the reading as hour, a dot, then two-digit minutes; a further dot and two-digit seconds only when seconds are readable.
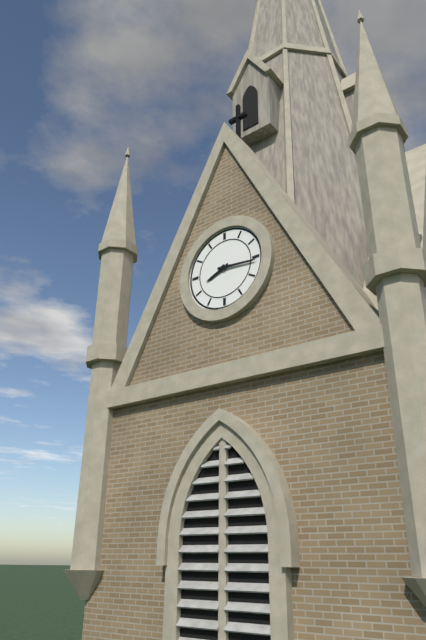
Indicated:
8.16
